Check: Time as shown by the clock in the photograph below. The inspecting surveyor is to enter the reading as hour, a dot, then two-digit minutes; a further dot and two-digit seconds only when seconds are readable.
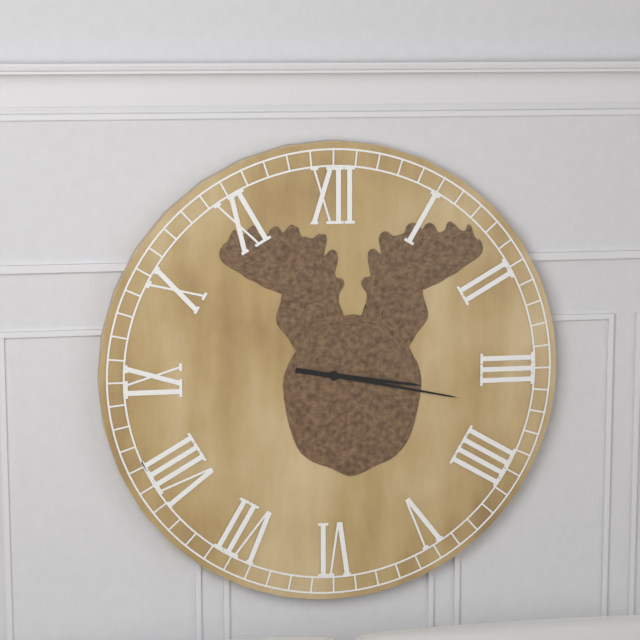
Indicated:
3.17
